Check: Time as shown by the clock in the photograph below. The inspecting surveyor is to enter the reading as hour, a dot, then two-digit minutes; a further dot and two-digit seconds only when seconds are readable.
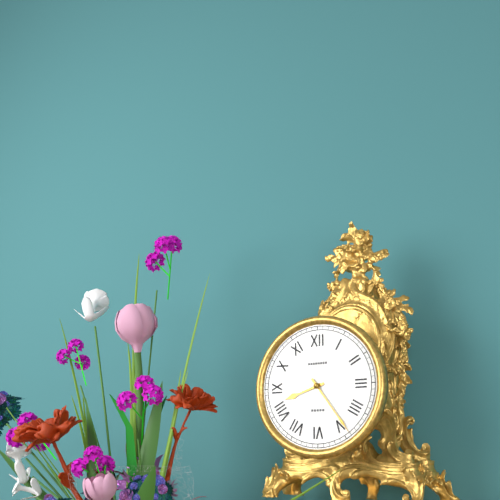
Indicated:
8.24
